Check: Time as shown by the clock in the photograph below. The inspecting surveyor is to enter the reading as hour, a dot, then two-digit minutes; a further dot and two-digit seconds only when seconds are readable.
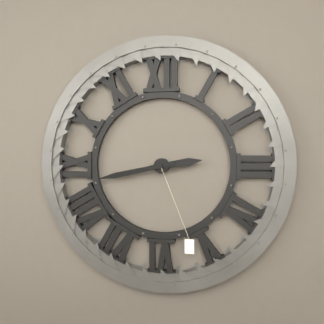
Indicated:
2.43
